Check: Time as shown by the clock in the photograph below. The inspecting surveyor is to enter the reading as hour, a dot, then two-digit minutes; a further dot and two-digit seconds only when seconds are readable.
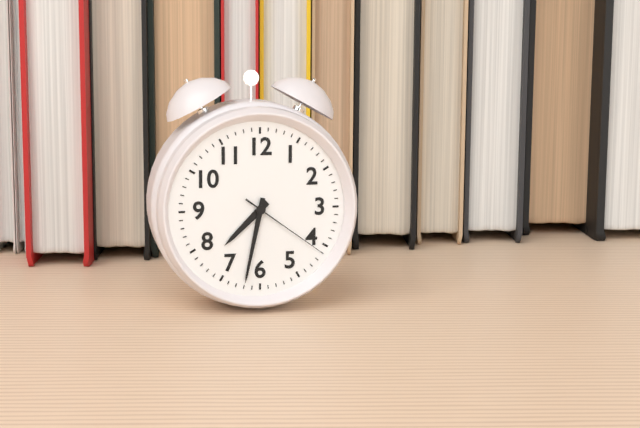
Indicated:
7.32.21
